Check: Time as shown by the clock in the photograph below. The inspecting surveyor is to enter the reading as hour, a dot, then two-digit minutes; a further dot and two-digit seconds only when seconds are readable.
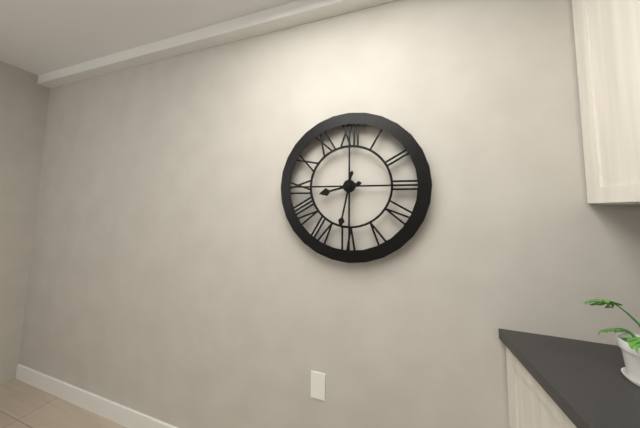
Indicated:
8.32
